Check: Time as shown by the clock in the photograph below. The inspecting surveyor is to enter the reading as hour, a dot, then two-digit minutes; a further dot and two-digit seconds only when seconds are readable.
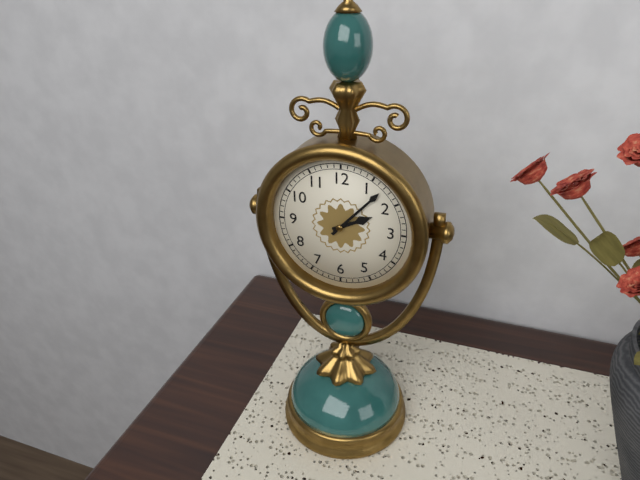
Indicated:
2.07
